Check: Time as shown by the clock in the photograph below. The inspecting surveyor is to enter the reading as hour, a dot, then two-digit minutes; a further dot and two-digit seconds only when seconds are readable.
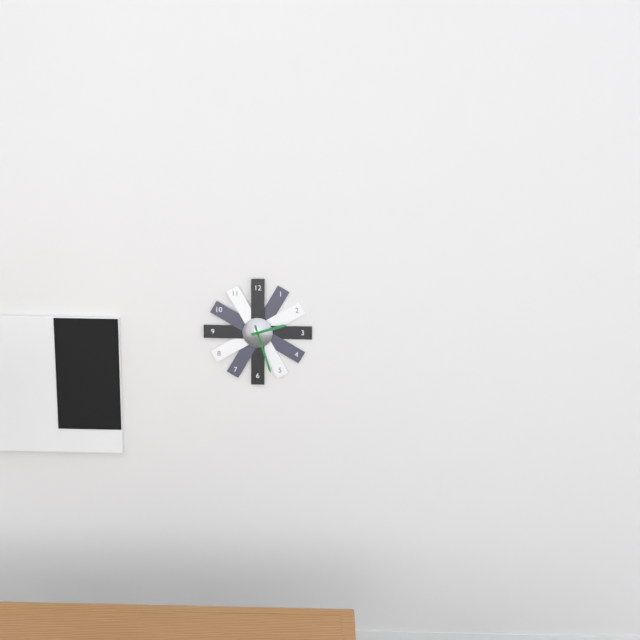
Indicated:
2.27
